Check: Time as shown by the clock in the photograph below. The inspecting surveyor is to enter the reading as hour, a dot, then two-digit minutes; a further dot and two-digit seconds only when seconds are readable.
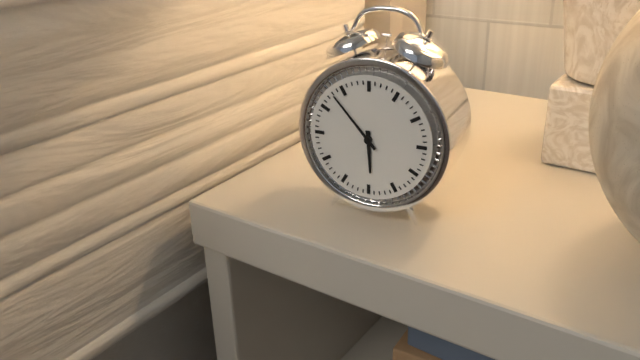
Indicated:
5.53
